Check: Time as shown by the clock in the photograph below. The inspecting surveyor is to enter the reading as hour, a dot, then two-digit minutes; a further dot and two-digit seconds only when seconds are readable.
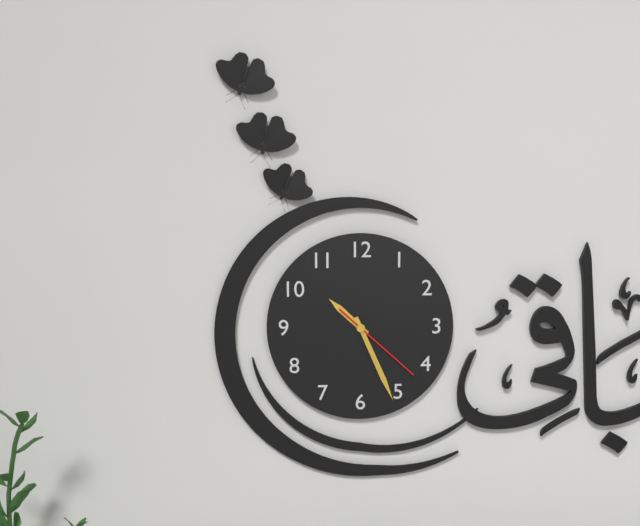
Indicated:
10.26.22
